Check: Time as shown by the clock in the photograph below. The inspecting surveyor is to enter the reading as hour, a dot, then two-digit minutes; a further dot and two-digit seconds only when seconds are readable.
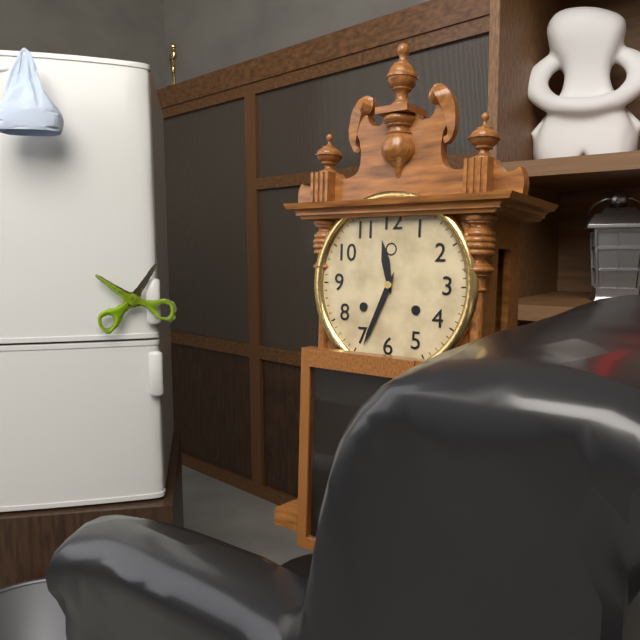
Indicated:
11.34
